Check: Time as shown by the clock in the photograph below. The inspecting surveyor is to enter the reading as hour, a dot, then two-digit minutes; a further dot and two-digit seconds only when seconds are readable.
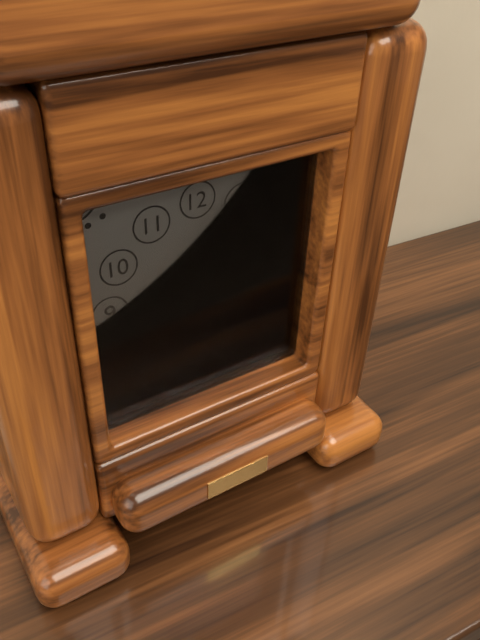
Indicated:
5.09.20
